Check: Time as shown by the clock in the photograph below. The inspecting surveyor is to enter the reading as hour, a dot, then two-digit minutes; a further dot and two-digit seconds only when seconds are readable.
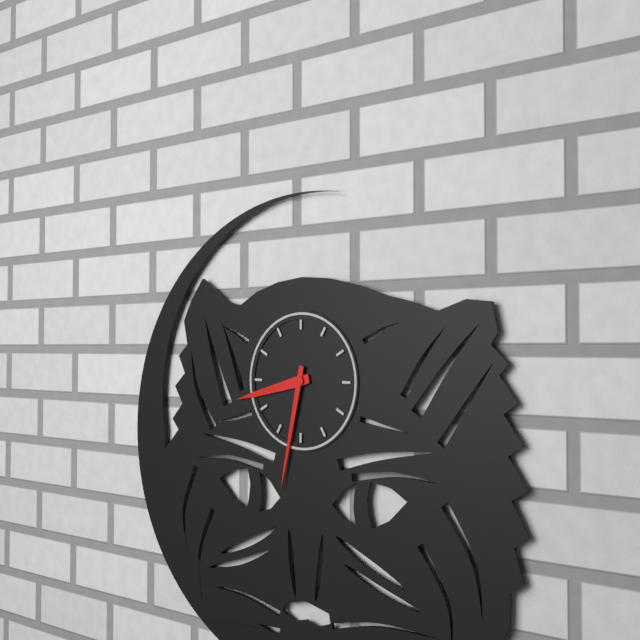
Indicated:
8.32
